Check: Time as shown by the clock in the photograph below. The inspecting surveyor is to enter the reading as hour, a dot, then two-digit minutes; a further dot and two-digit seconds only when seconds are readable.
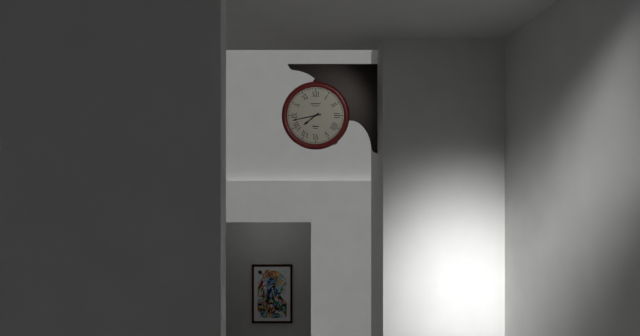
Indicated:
7.43
